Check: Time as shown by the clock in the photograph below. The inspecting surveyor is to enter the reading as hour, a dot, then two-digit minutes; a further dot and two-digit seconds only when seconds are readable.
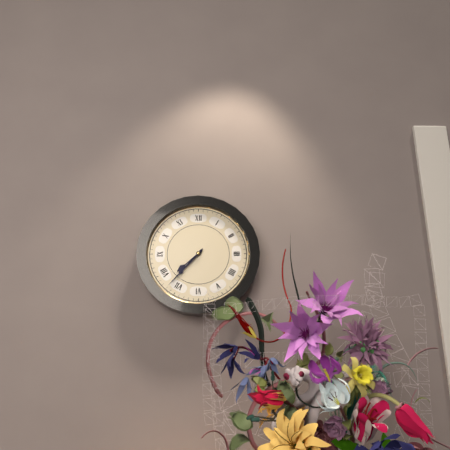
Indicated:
7.37
